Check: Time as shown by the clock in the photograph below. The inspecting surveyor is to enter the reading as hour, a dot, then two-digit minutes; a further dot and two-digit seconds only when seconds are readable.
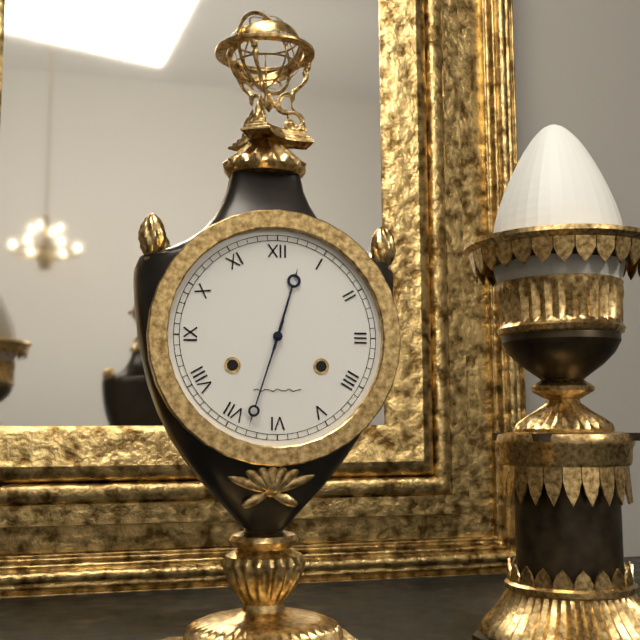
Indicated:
12.33
